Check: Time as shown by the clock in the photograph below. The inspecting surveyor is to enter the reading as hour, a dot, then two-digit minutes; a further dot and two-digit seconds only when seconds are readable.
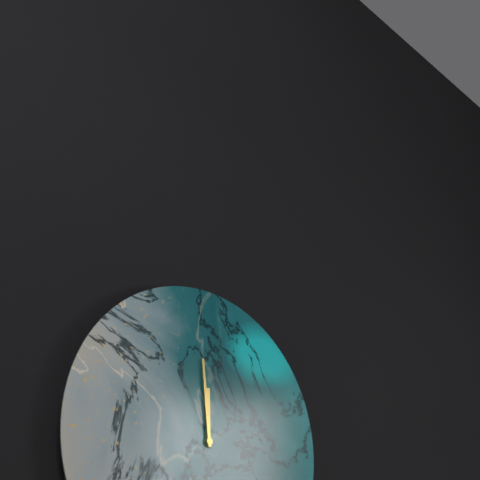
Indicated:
11.59
